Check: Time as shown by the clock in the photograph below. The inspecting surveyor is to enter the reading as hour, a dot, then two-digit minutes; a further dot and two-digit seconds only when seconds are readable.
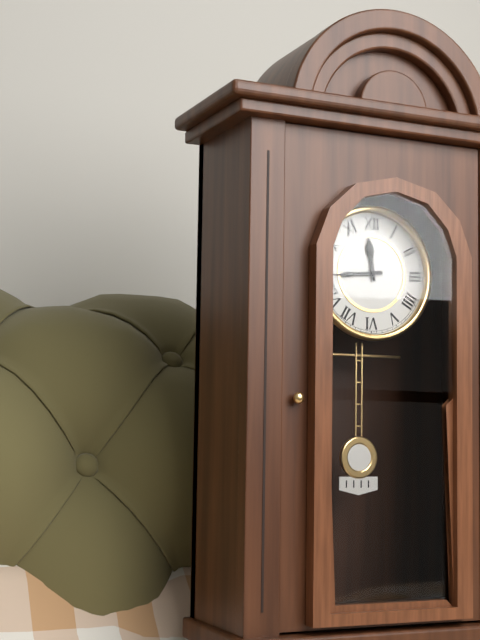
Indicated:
11.44
